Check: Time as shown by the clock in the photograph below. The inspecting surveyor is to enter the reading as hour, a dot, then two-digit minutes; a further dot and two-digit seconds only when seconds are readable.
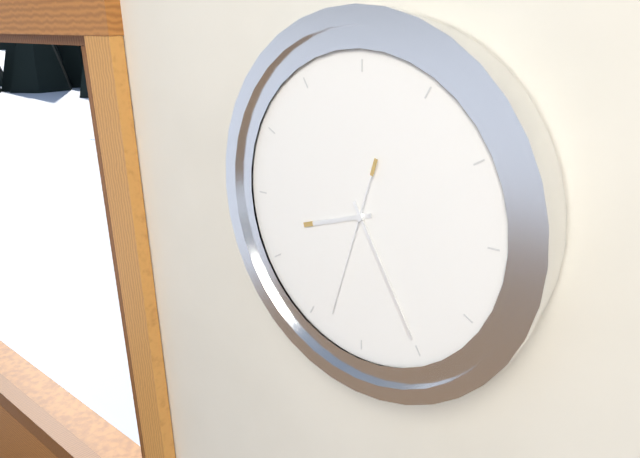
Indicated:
8.25.33
